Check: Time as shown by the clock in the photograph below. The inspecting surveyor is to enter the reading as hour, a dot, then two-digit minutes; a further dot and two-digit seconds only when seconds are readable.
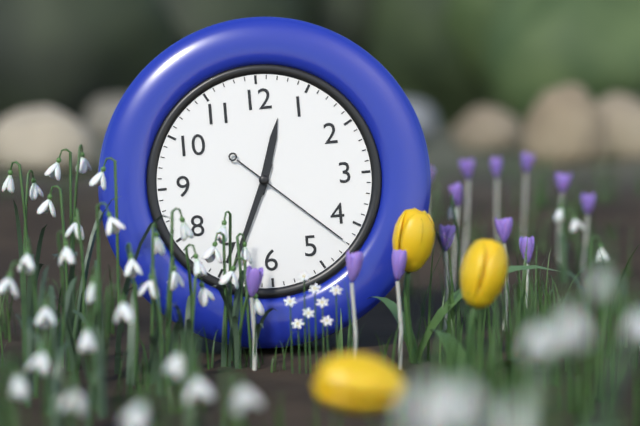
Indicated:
12.34.22
